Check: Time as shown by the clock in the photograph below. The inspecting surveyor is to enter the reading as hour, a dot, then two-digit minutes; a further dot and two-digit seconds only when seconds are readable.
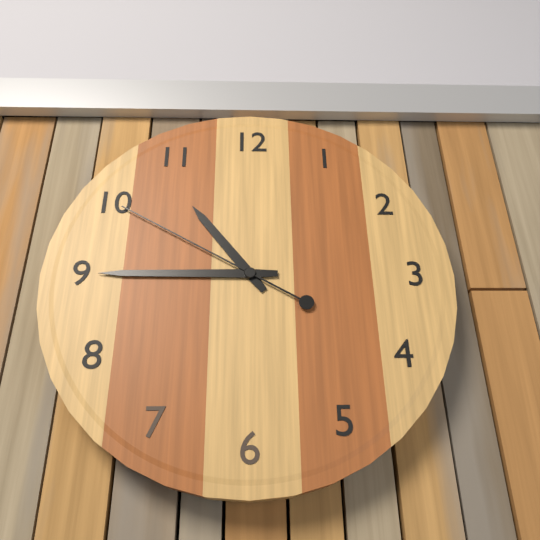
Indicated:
10.45.50
